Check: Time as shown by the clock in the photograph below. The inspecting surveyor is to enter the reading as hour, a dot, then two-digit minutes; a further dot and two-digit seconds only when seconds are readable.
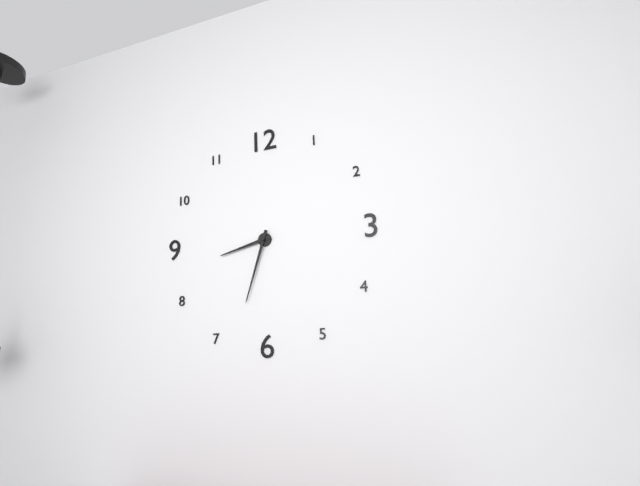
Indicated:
8.33
